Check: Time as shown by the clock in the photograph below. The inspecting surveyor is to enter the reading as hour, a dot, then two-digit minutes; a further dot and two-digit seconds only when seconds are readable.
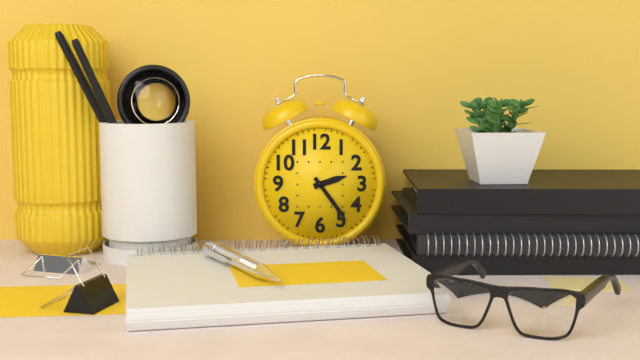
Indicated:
2.24
